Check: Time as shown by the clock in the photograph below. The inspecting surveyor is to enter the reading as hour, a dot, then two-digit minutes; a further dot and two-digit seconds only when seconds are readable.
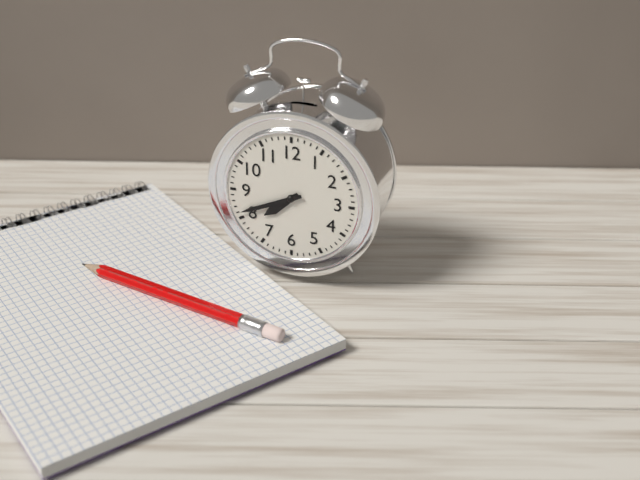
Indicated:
7.41
